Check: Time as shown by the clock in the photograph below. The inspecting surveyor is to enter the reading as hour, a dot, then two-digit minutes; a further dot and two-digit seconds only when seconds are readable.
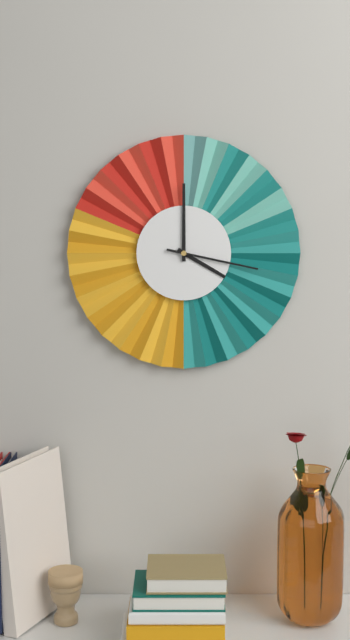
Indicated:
4.00.17
